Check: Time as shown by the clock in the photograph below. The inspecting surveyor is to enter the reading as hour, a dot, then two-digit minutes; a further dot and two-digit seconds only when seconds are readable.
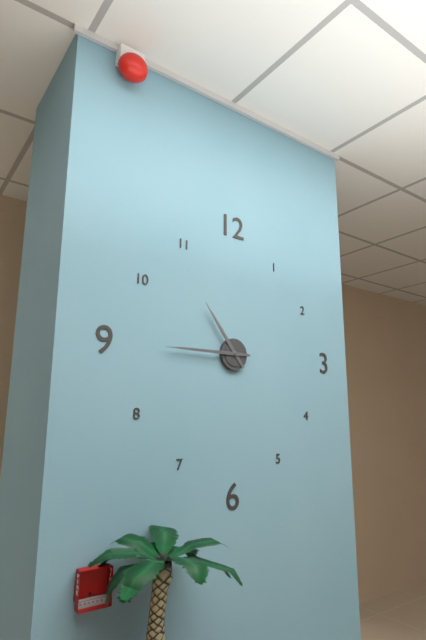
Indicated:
10.45
